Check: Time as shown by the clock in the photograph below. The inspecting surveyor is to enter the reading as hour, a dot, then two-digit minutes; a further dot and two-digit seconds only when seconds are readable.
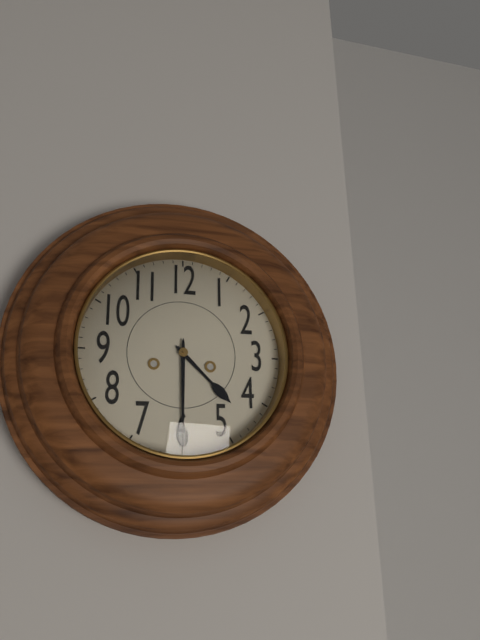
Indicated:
4.30
